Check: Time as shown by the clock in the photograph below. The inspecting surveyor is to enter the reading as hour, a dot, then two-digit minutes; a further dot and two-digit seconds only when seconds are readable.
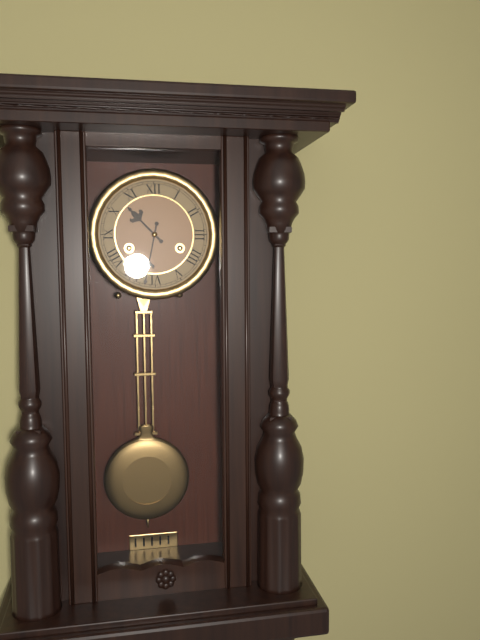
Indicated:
10.32
